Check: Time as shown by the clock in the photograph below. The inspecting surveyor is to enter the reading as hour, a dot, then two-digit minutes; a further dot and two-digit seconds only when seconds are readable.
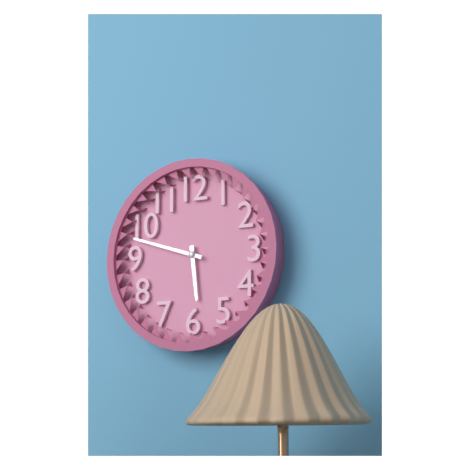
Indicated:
5.48
